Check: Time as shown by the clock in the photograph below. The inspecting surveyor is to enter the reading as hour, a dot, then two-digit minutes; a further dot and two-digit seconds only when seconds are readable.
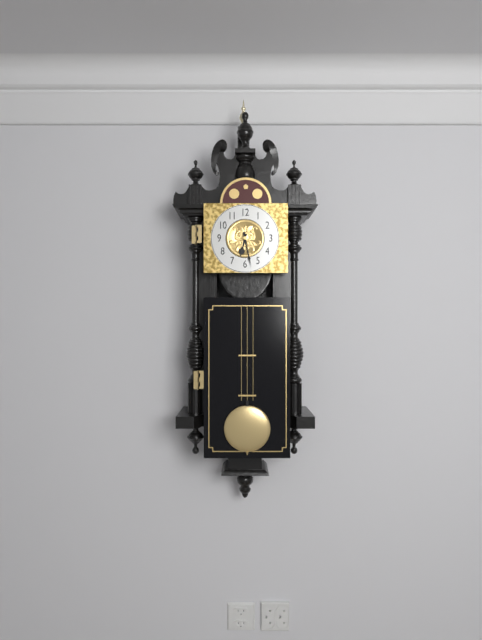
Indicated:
6.28
